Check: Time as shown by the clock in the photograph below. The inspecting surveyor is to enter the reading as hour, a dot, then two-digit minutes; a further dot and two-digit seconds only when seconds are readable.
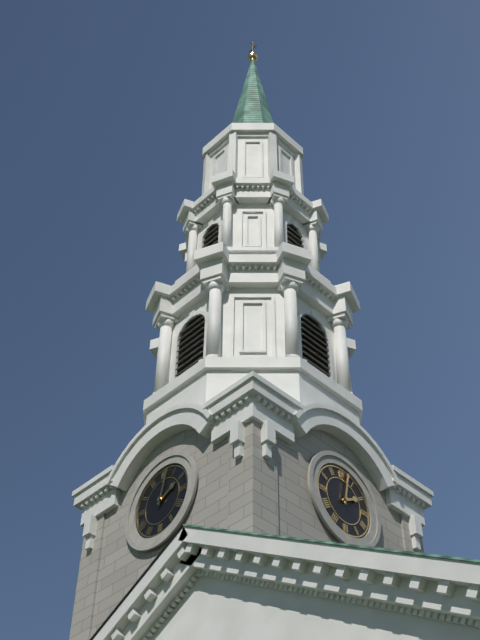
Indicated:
2.02
